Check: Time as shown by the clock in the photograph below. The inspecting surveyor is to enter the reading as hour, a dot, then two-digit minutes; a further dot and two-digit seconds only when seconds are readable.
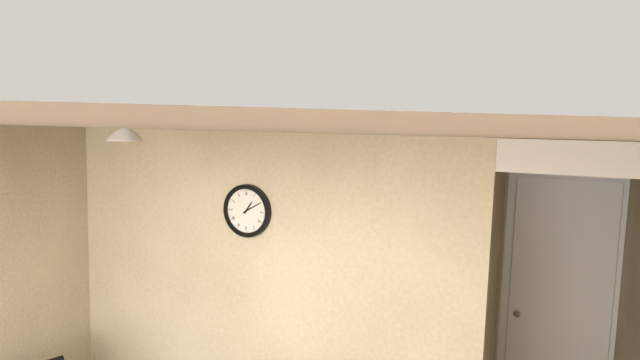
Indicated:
1.10
